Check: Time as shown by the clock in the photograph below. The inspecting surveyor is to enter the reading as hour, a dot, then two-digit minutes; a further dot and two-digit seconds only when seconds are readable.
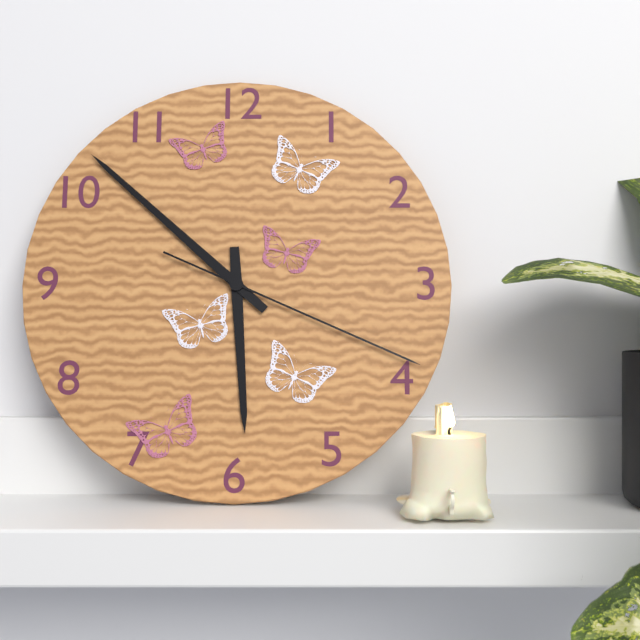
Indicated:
5.52.19
